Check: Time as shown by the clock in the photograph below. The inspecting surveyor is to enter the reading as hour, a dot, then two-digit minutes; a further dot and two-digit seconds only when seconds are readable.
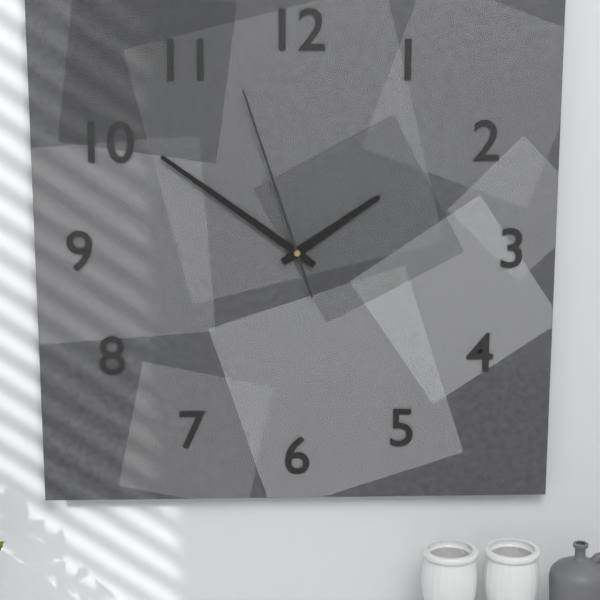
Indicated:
1.51.57
